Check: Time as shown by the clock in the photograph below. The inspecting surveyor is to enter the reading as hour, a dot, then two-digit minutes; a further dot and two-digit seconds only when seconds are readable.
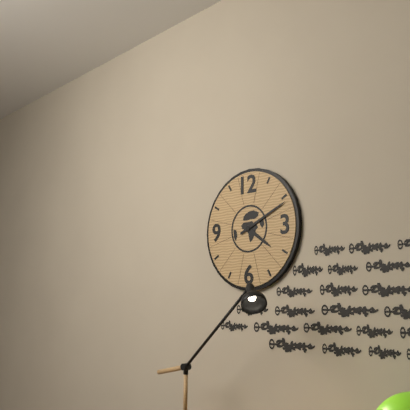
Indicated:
4.11
